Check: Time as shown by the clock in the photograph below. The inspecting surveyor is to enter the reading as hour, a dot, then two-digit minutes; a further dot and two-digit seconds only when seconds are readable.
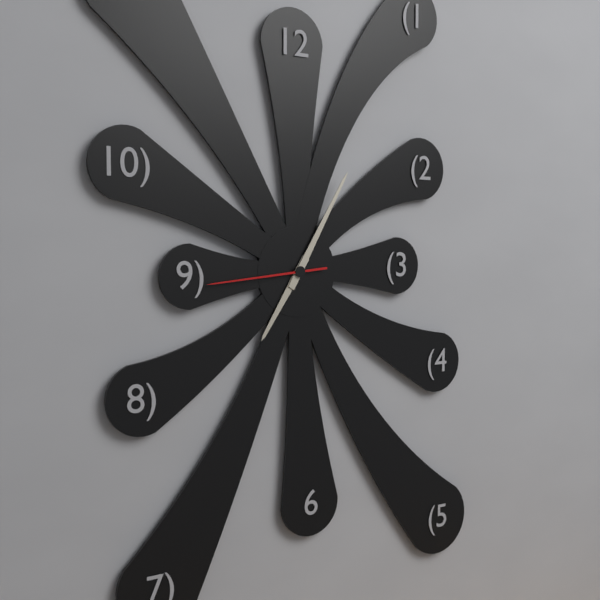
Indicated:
7.05.44
